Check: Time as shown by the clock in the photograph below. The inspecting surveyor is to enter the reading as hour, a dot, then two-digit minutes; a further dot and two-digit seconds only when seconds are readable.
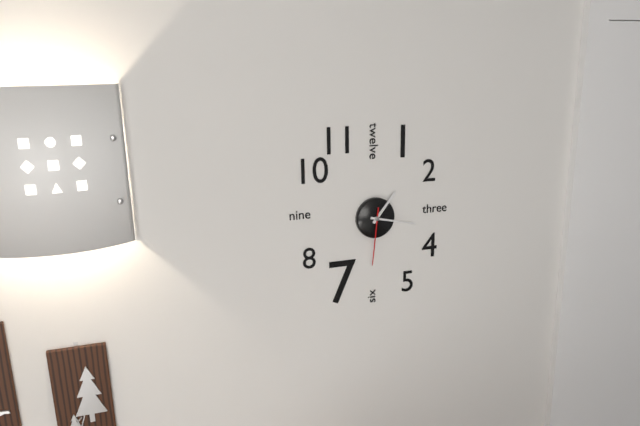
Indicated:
1.17.31
